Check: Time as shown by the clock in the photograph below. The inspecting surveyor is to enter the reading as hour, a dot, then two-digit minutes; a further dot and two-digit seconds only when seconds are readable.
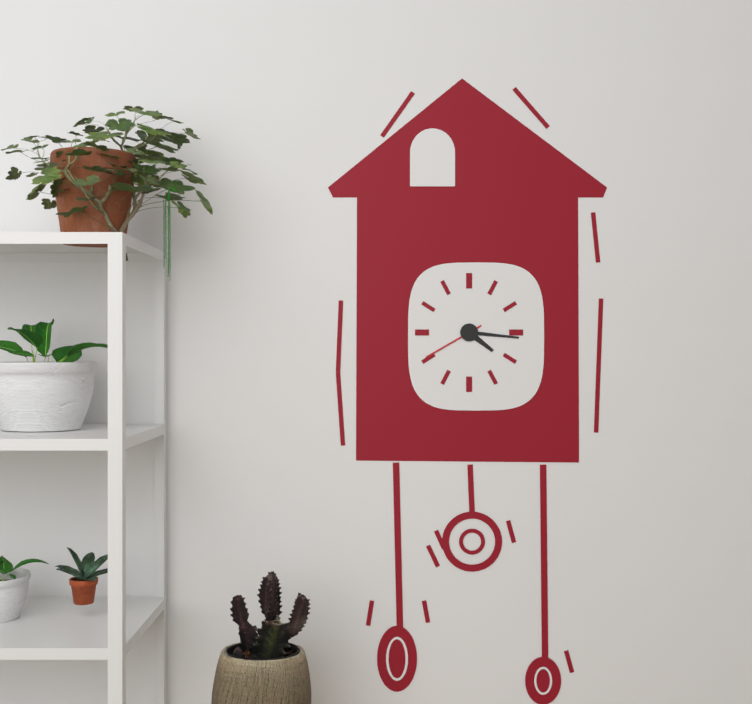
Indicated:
4.16.40
